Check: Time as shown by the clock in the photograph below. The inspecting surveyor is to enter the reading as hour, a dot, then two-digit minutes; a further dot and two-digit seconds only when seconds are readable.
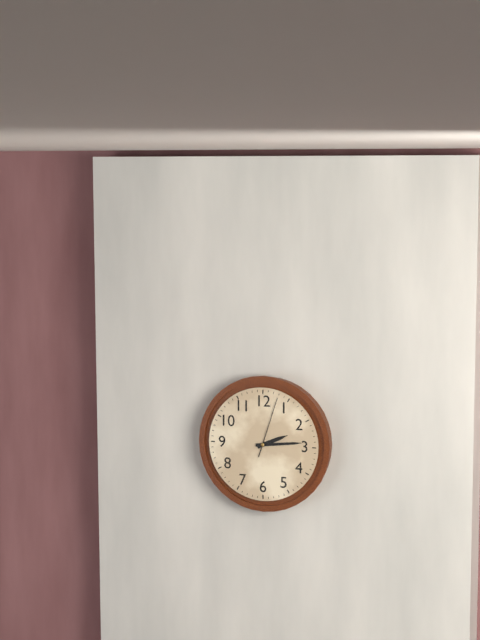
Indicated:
2.14.03
